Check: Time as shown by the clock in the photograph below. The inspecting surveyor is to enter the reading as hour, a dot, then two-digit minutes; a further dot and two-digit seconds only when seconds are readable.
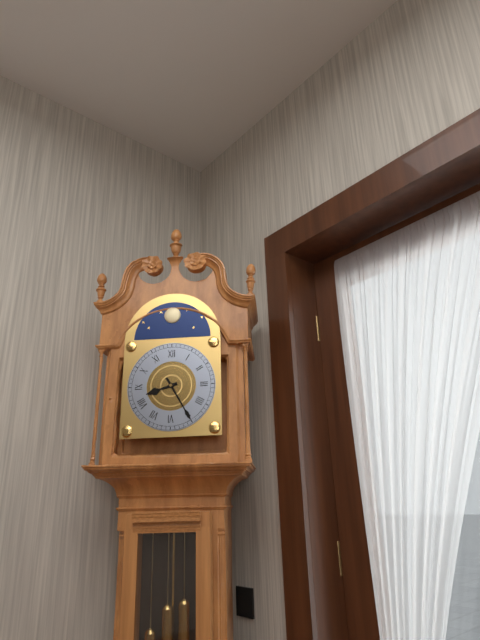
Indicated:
8.25
